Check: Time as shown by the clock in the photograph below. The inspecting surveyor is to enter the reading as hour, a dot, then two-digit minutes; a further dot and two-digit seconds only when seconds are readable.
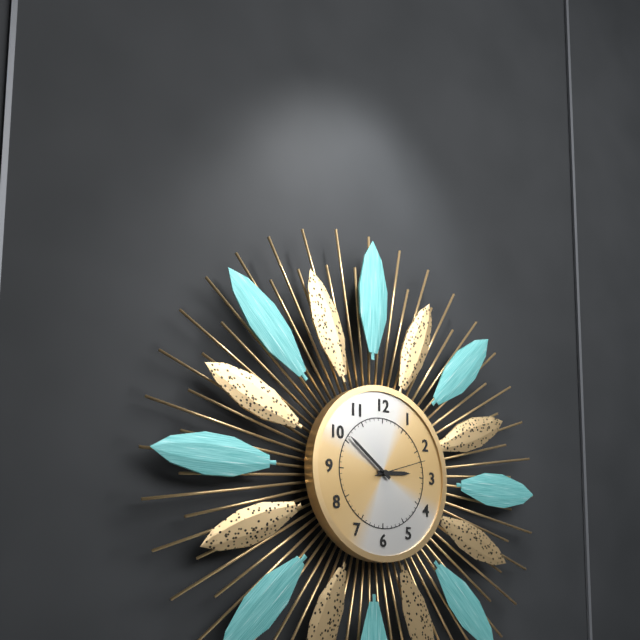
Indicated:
2.51.12
